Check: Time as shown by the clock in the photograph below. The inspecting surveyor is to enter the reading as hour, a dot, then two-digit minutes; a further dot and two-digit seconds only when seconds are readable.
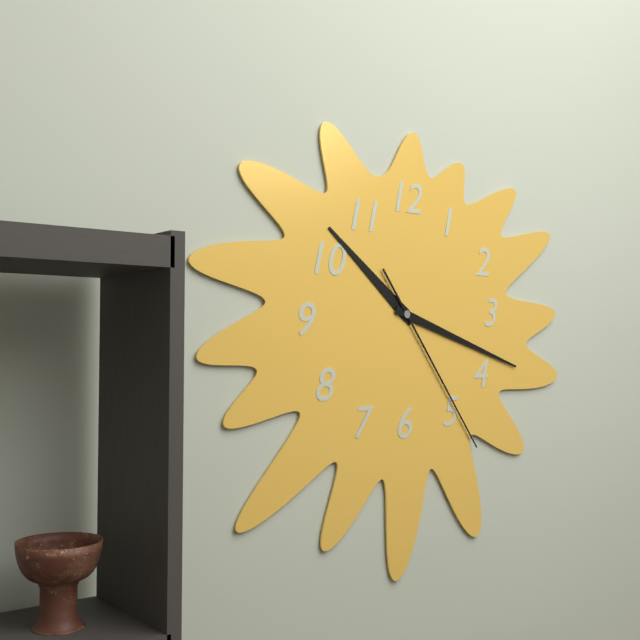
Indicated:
10.18.24
